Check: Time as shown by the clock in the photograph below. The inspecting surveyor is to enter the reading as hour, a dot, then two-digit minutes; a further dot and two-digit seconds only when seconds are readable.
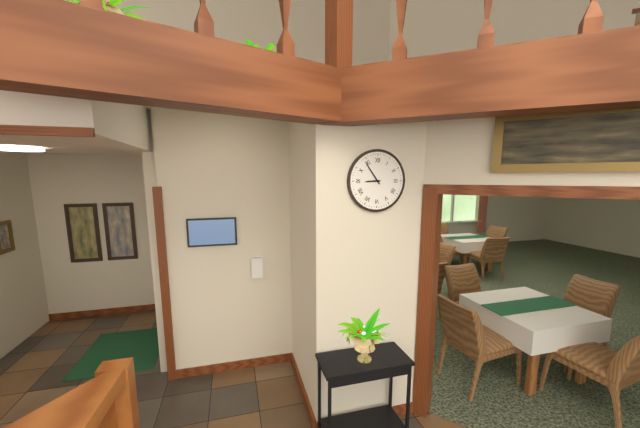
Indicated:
8.54
